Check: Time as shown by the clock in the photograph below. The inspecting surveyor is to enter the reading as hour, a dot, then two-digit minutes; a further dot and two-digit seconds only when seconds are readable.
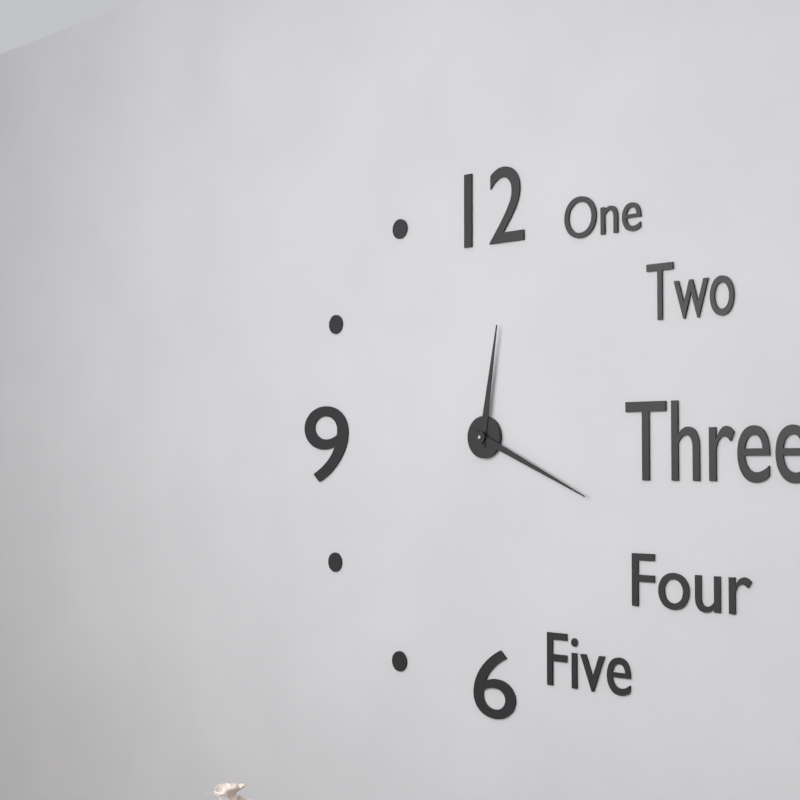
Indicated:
12.19
